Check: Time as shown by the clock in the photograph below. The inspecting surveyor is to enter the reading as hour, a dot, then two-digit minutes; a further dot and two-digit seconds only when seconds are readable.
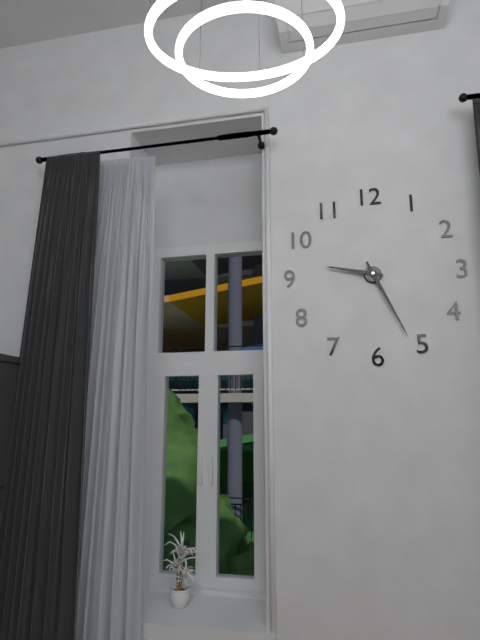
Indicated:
9.26
